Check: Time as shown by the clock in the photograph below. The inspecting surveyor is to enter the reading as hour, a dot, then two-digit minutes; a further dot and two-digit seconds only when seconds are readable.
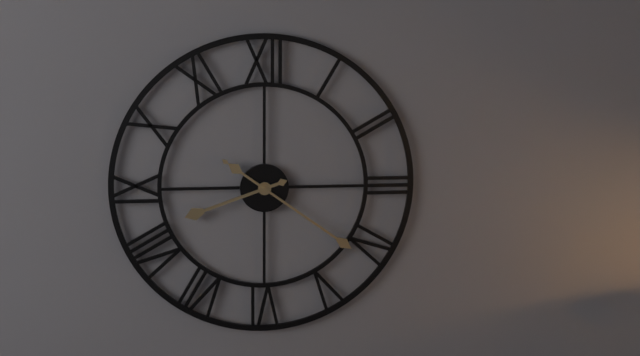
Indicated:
8.21
